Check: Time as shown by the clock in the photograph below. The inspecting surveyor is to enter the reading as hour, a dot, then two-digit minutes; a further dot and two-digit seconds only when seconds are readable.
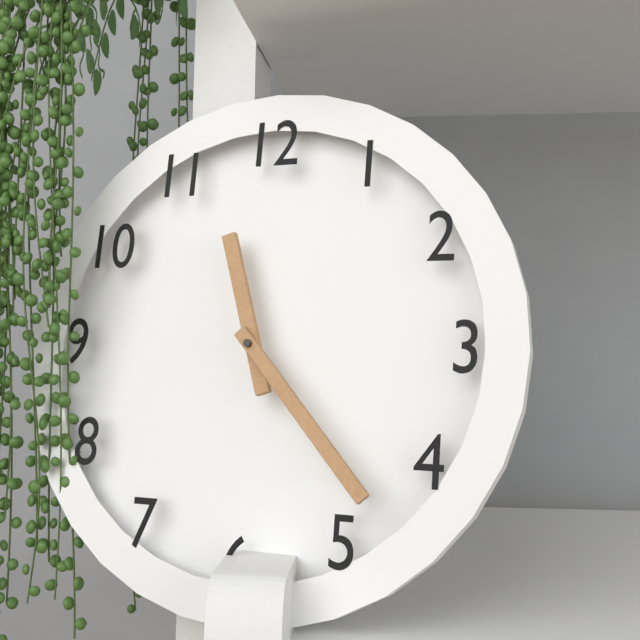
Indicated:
11.23
